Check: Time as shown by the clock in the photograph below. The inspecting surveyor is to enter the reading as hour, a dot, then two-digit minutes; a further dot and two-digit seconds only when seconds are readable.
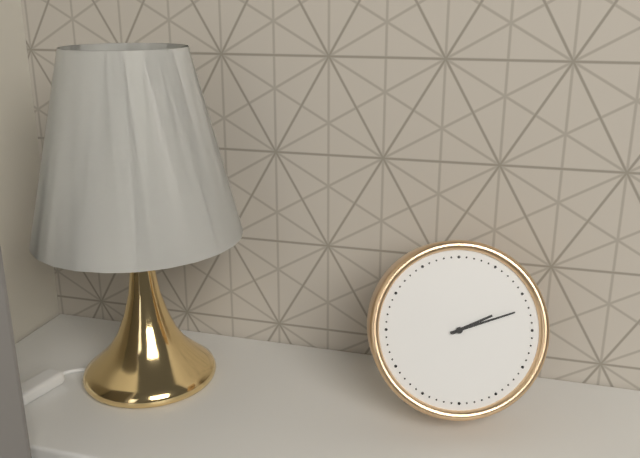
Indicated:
2.12
